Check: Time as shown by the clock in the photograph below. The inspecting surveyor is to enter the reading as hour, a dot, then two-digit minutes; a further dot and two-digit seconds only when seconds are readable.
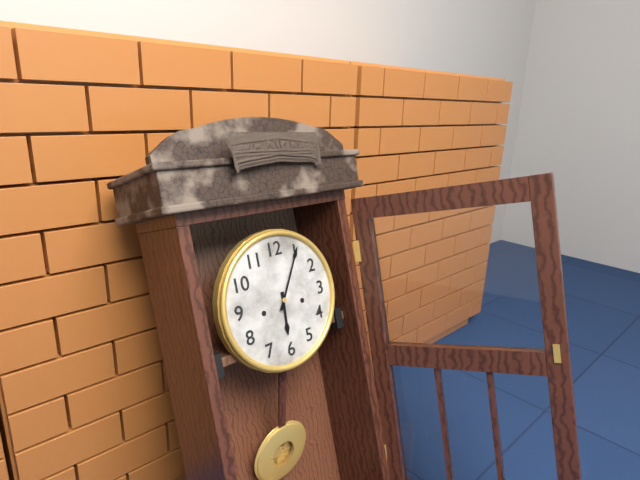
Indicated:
6.05
